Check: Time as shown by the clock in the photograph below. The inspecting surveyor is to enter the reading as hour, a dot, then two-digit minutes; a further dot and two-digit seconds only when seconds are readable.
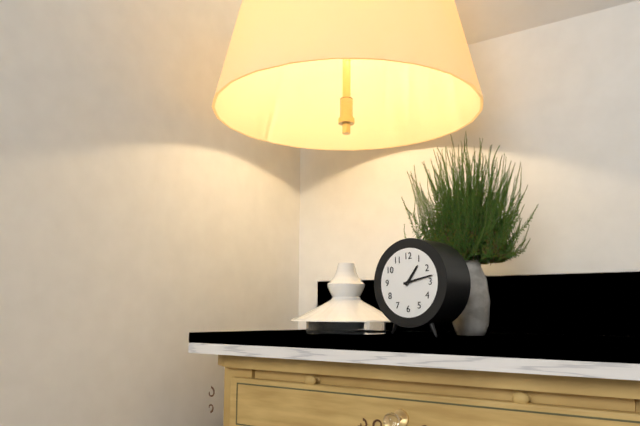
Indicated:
1.13
